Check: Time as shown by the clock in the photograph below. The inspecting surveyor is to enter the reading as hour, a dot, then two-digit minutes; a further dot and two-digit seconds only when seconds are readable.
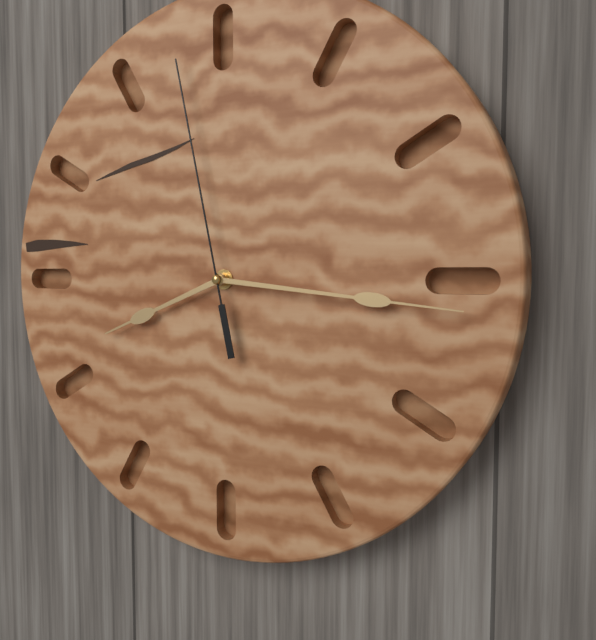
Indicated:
8.16.58
